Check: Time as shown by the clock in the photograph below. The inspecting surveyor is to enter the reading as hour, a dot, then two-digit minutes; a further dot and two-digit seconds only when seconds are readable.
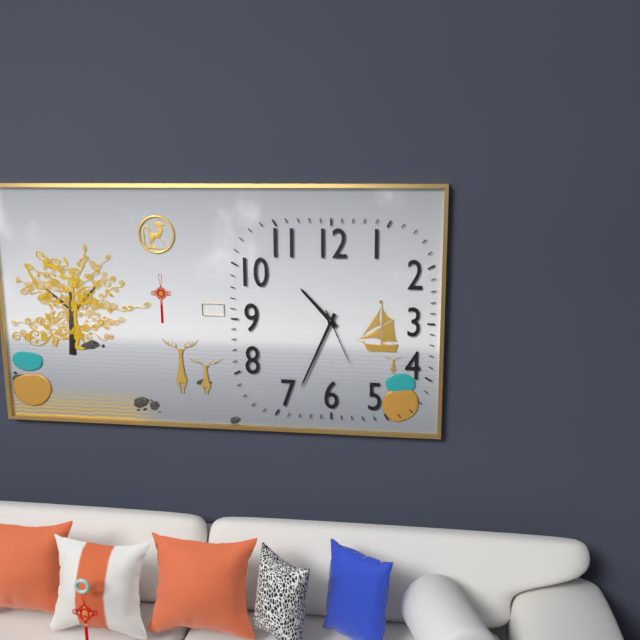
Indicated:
10.34.26
